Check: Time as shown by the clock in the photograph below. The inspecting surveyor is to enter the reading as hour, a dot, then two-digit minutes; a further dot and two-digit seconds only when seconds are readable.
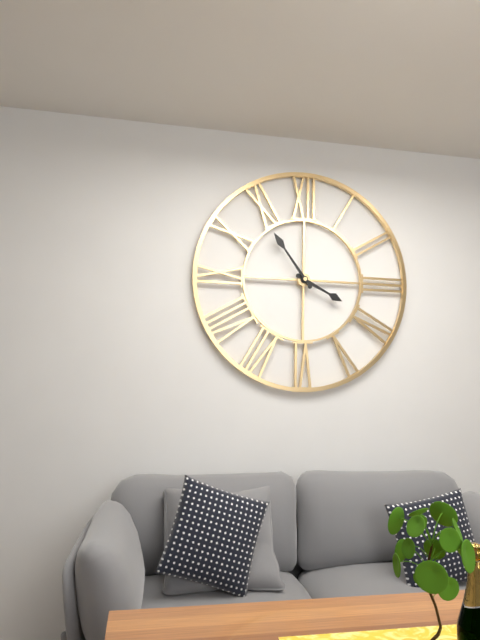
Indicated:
3.54
